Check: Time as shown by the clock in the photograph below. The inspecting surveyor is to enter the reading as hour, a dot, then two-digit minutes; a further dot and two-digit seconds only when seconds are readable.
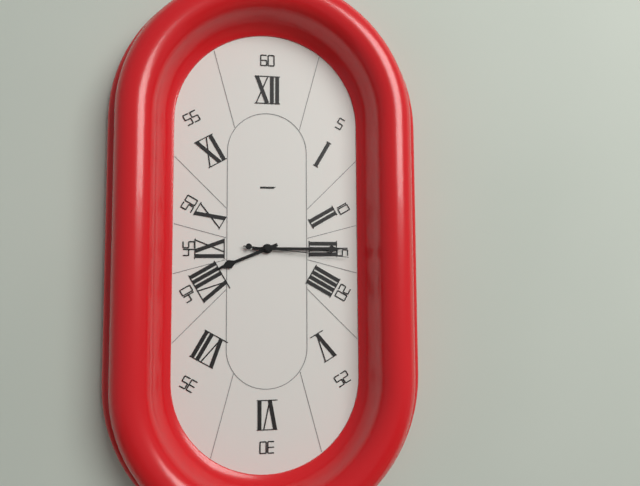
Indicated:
8.15.16
